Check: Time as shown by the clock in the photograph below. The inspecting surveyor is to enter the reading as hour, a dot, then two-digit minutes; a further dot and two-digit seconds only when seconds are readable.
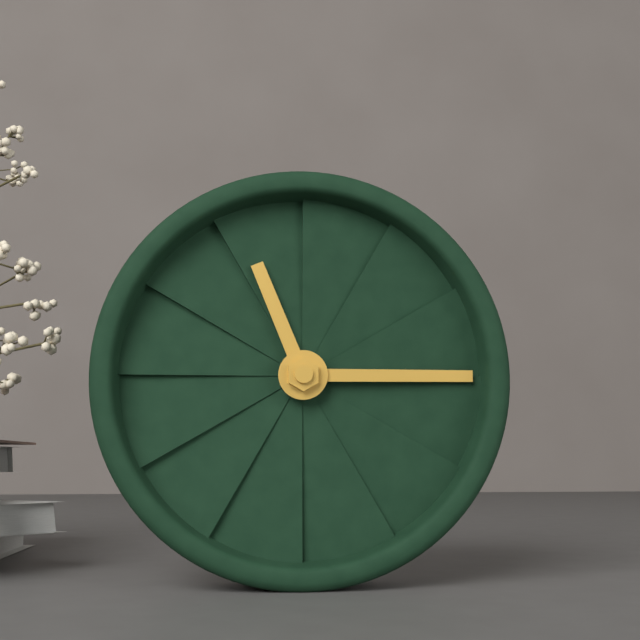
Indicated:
11.15
